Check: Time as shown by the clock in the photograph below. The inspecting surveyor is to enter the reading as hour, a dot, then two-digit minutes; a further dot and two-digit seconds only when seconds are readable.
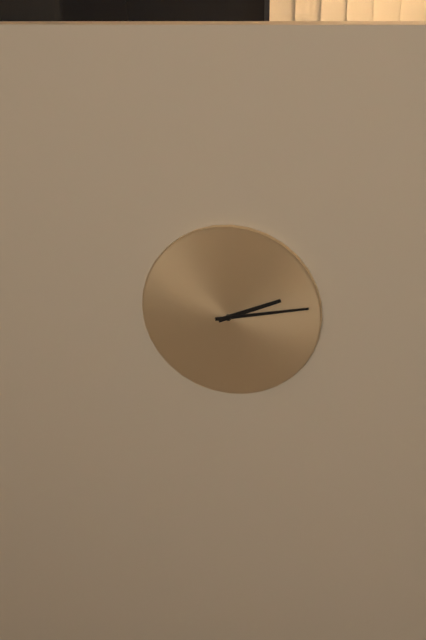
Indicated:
2.13
